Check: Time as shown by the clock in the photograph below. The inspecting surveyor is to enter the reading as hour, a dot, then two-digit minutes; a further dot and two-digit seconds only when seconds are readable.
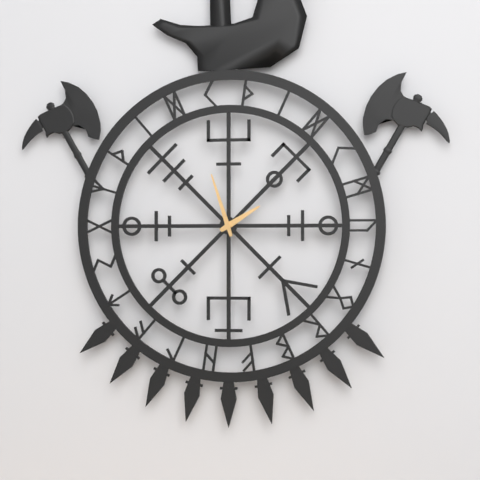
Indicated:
1.57
